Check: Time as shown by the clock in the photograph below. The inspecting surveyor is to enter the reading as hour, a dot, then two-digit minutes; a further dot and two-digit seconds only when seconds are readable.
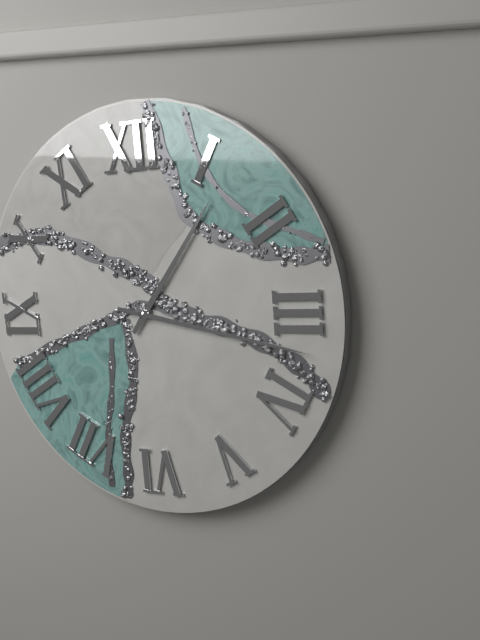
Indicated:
1.17
